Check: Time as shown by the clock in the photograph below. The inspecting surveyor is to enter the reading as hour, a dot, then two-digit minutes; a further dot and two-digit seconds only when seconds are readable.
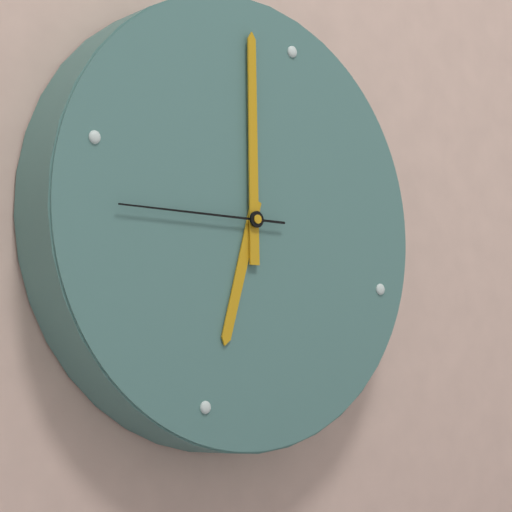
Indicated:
5.57.42
